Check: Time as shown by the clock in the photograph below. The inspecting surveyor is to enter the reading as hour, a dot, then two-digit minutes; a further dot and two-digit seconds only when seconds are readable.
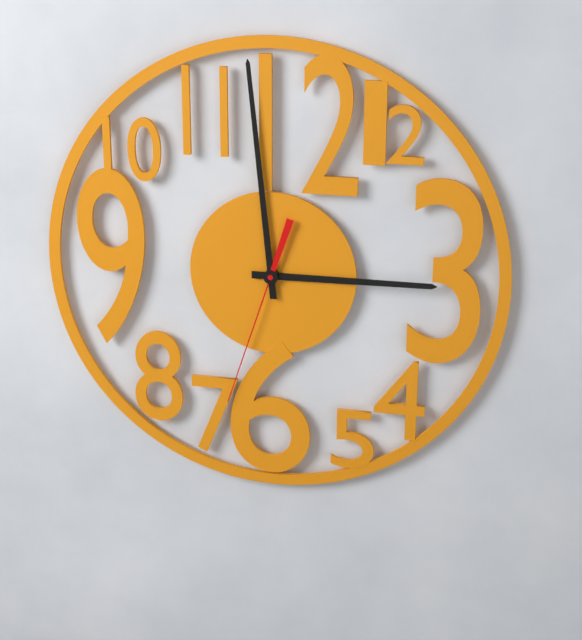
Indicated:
2.59.33
